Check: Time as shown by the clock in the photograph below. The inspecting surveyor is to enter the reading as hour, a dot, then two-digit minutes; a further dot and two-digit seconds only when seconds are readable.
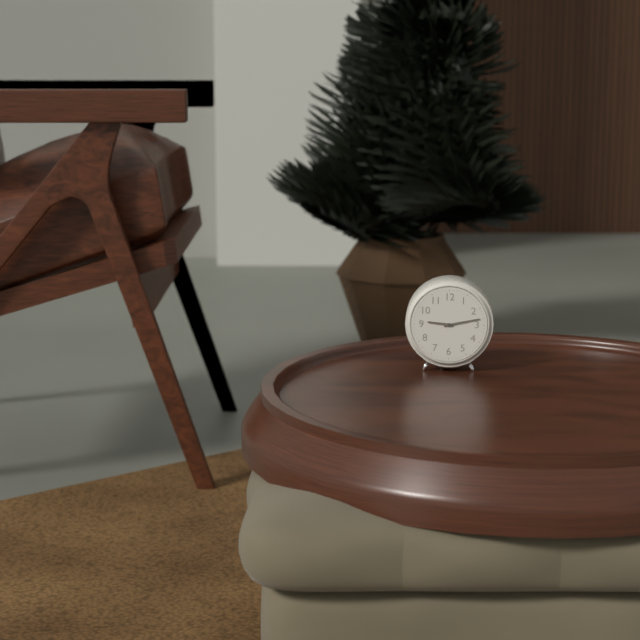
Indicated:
9.13
